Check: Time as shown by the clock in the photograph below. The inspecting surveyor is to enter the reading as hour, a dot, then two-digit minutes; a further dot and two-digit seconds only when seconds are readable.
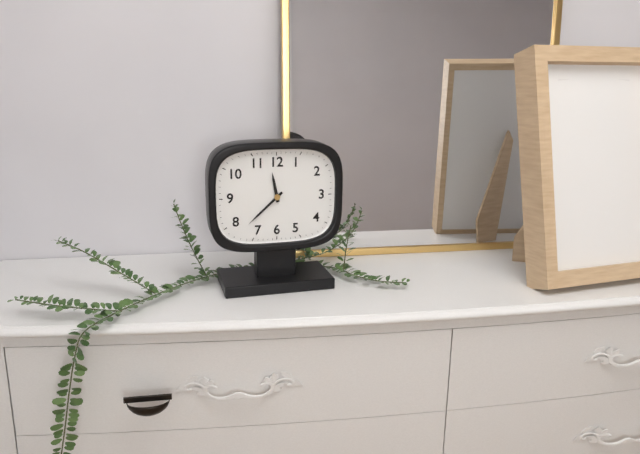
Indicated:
11.38
